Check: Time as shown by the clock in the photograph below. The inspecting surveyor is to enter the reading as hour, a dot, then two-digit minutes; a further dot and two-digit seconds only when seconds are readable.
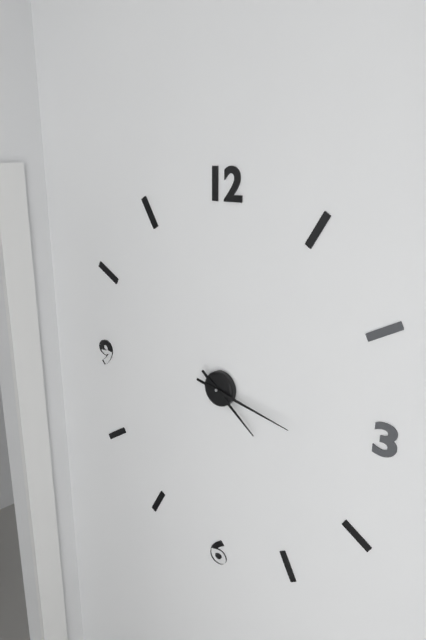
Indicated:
4.17
